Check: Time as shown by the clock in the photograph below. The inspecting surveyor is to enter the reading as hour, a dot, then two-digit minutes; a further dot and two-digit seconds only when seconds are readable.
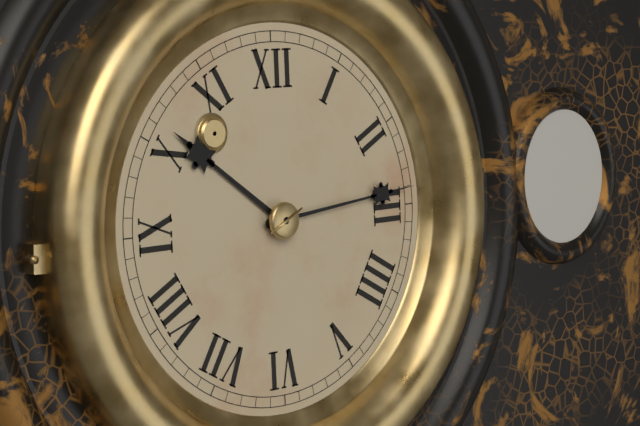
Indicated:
10.14
